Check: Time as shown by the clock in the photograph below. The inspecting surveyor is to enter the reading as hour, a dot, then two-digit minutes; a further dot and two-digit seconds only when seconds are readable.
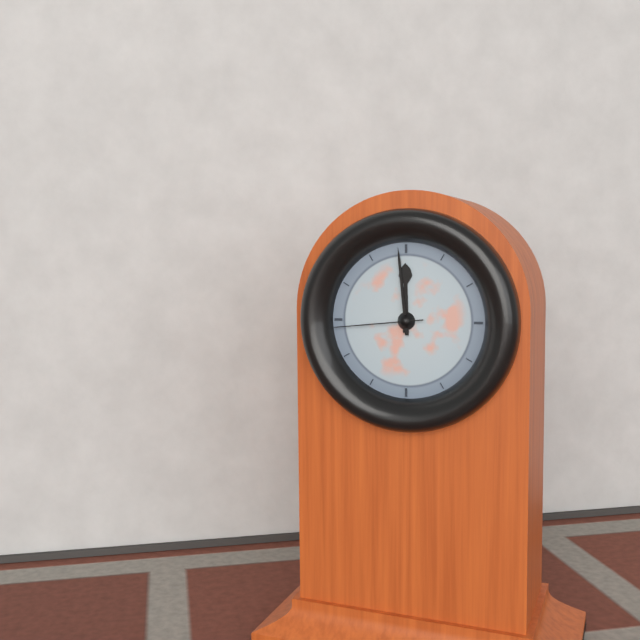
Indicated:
11.59.44
